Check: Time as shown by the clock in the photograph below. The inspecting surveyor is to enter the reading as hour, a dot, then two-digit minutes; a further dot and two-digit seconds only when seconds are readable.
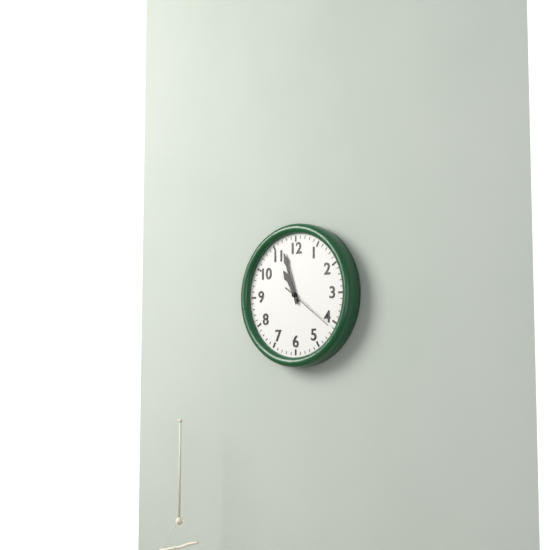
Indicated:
10.57
